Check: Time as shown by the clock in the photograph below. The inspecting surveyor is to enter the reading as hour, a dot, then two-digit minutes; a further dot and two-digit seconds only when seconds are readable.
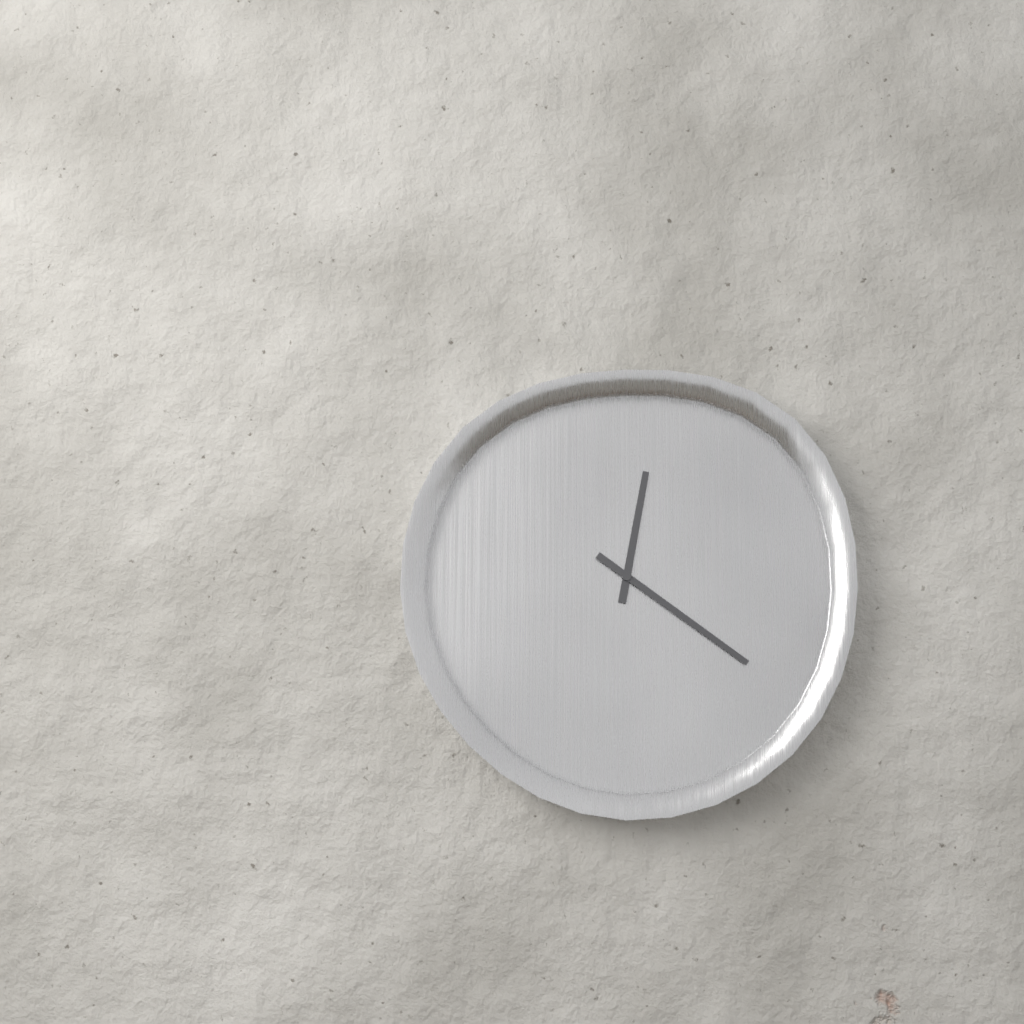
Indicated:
12.21
